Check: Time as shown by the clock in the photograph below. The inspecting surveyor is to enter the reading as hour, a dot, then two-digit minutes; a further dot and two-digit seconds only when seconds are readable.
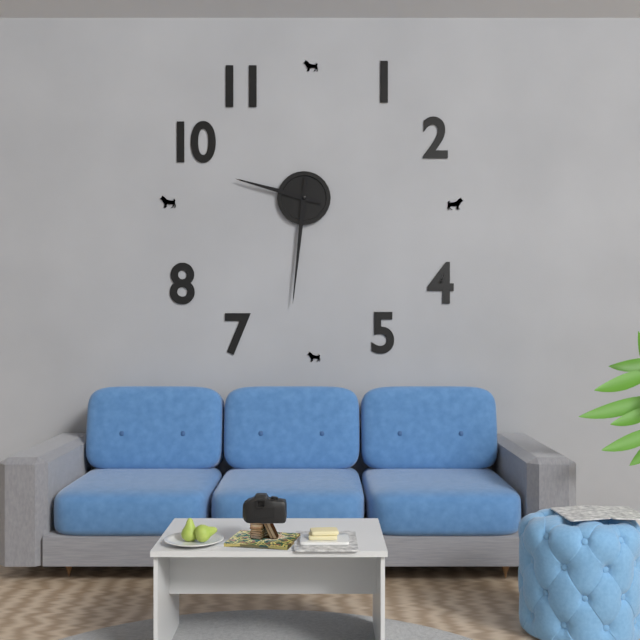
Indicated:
9.31
